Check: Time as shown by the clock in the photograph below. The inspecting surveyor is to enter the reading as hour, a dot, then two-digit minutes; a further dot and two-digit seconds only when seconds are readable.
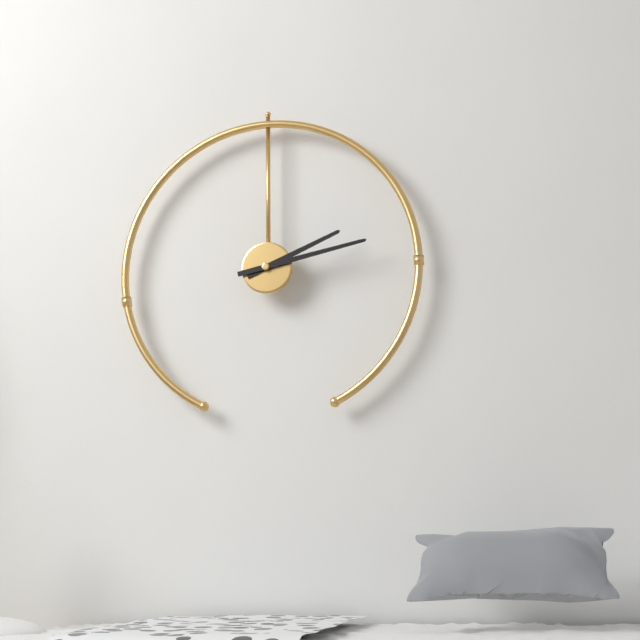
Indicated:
2.13
